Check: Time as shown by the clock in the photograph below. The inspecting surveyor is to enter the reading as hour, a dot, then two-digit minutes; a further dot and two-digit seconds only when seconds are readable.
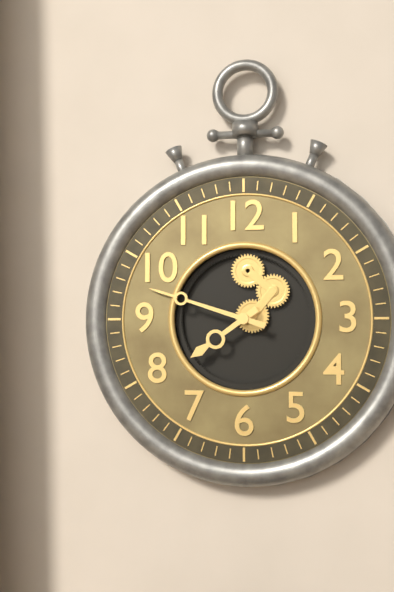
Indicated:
7.48
